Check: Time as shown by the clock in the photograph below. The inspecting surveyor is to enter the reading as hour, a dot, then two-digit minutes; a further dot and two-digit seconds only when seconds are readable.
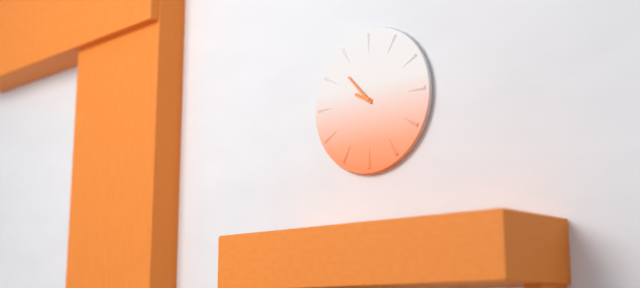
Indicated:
9.53
